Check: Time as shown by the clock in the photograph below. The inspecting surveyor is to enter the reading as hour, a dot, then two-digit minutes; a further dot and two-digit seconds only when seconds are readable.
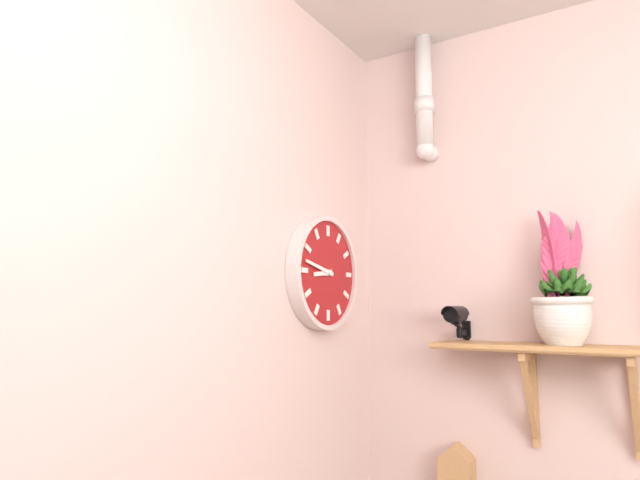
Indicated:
8.47
